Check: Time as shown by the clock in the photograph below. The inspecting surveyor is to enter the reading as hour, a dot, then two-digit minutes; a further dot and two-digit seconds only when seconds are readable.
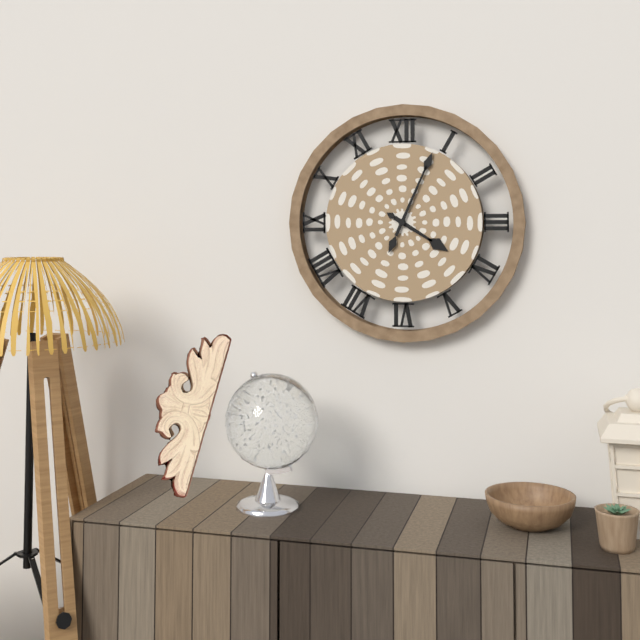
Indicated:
4.04
